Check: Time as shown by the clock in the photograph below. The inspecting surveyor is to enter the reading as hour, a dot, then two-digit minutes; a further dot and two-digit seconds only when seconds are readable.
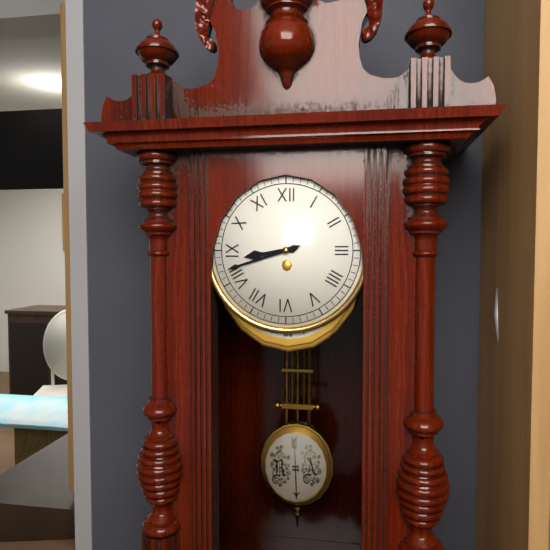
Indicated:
8.42
